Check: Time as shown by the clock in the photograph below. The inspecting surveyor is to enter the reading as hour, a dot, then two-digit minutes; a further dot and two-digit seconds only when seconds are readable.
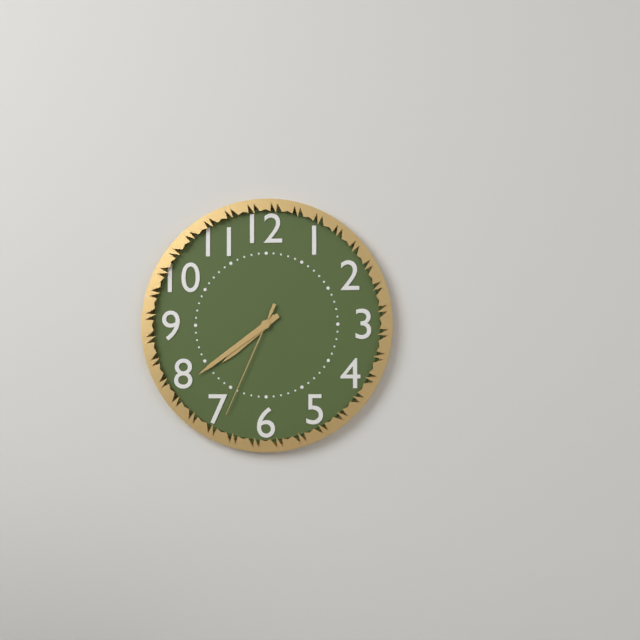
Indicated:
7.39.34
